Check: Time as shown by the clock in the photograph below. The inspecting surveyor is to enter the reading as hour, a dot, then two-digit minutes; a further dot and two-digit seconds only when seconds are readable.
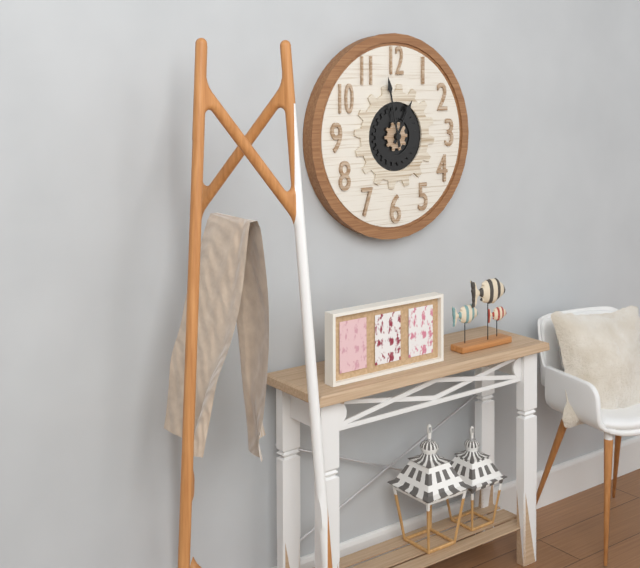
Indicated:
12.58
